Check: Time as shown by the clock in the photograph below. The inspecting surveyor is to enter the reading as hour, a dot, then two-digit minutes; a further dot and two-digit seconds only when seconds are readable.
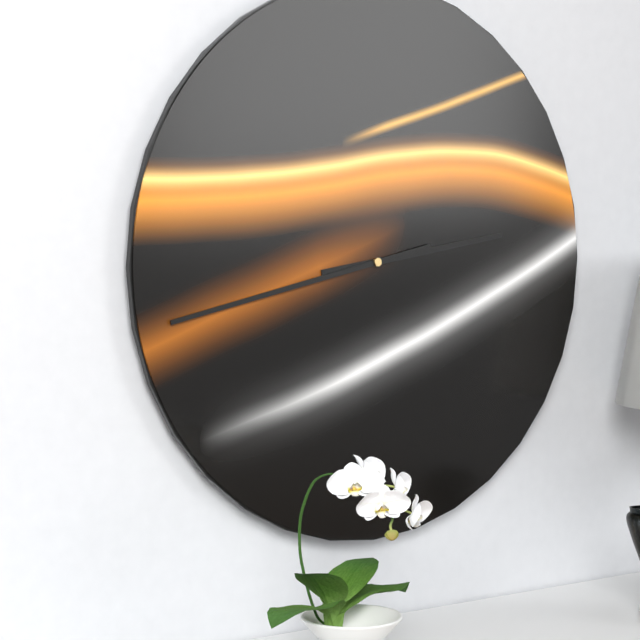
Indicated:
2.43
